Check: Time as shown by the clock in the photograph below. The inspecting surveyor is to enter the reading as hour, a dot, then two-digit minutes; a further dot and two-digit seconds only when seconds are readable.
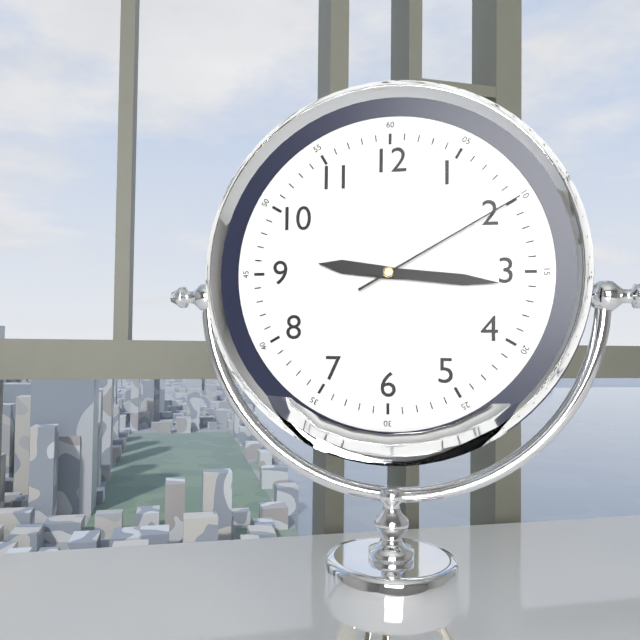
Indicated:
9.16.10
